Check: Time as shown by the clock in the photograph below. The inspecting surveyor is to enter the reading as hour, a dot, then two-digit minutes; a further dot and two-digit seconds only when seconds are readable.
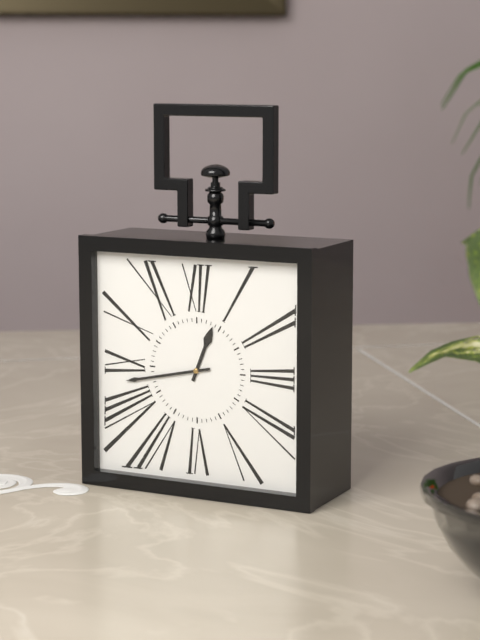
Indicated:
12.43
